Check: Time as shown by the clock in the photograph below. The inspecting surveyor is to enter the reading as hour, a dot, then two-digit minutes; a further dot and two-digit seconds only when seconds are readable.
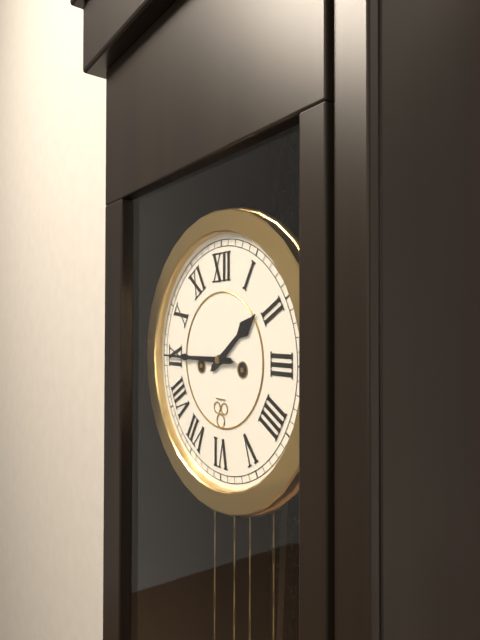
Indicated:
1.45
